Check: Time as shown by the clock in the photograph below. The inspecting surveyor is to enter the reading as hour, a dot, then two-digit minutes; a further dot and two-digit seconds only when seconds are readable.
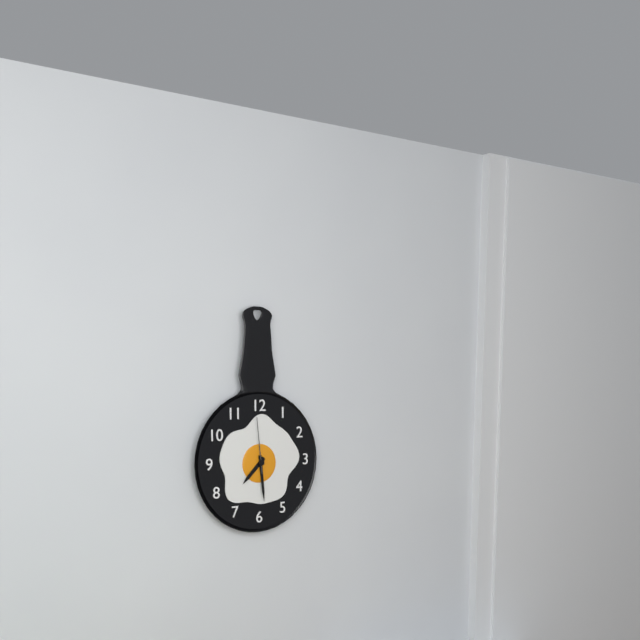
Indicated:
7.29.59
